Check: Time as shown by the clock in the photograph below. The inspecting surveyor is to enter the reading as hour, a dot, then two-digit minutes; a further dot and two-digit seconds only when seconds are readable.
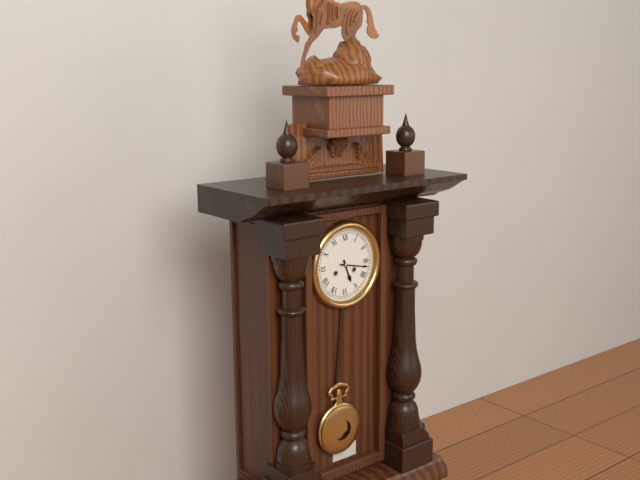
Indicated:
5.17
